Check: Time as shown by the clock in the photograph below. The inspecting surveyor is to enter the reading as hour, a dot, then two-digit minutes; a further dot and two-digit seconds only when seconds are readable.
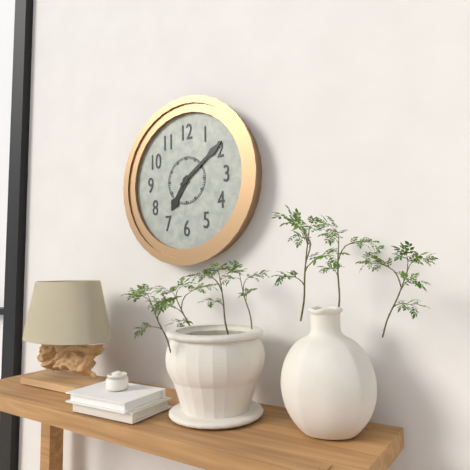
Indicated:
7.09
